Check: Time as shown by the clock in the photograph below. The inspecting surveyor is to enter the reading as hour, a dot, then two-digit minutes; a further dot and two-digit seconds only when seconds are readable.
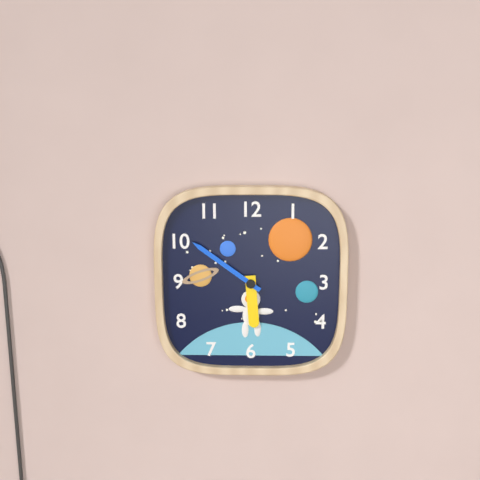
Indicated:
5.51
